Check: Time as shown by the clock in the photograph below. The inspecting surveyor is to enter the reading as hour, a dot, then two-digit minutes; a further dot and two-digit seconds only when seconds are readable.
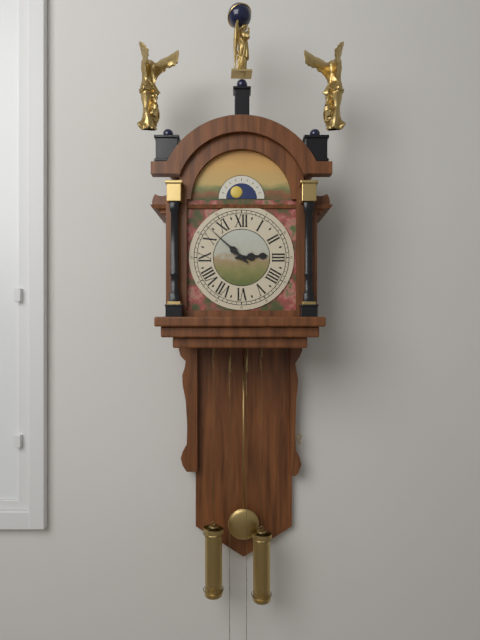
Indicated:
2.52
